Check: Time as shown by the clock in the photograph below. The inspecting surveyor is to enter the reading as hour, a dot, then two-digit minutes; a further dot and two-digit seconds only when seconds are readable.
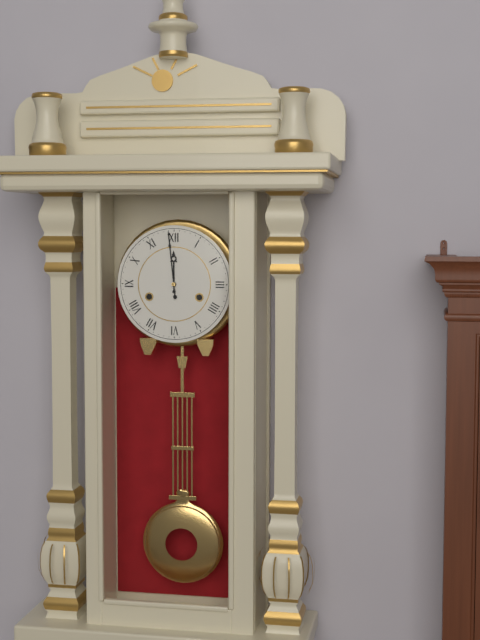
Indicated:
11.59
